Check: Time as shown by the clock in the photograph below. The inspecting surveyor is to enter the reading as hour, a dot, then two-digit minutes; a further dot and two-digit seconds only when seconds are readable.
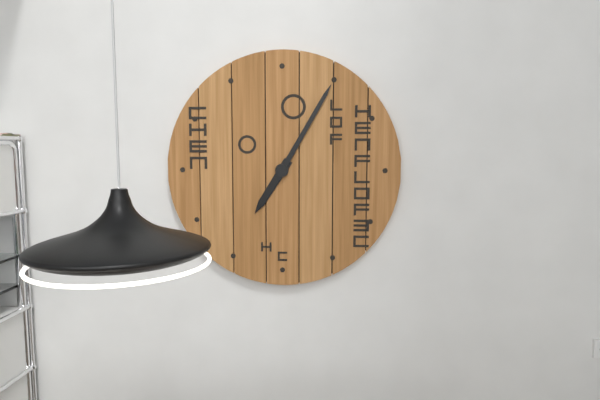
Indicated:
7.05
